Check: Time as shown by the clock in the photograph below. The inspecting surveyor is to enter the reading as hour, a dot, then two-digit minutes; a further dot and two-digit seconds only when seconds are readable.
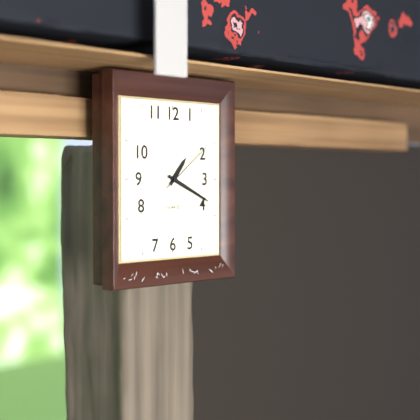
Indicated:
1.19.09
